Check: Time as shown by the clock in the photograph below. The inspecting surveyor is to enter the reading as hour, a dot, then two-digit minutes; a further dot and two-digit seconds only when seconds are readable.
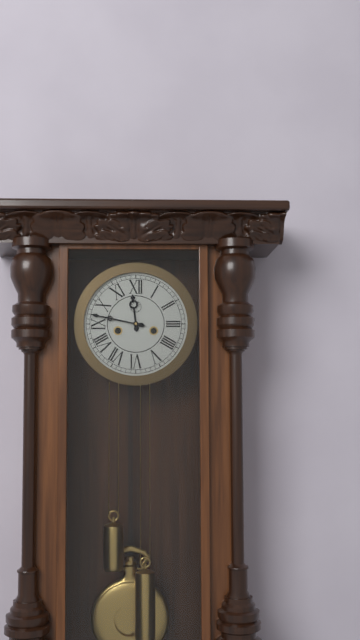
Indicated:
11.47
